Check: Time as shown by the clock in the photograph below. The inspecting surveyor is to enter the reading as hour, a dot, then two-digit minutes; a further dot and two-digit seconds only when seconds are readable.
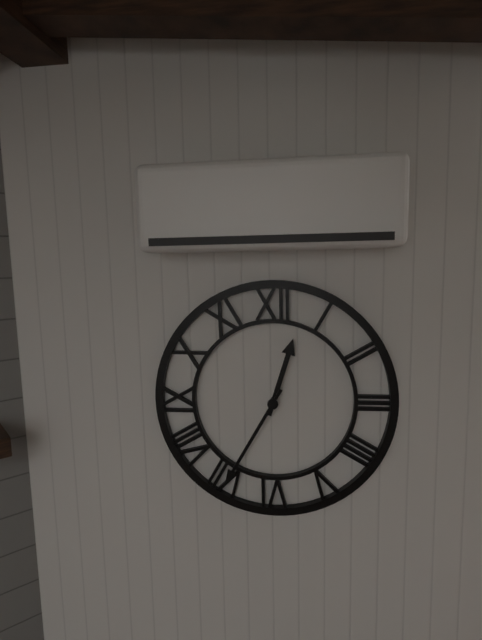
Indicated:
12.35
